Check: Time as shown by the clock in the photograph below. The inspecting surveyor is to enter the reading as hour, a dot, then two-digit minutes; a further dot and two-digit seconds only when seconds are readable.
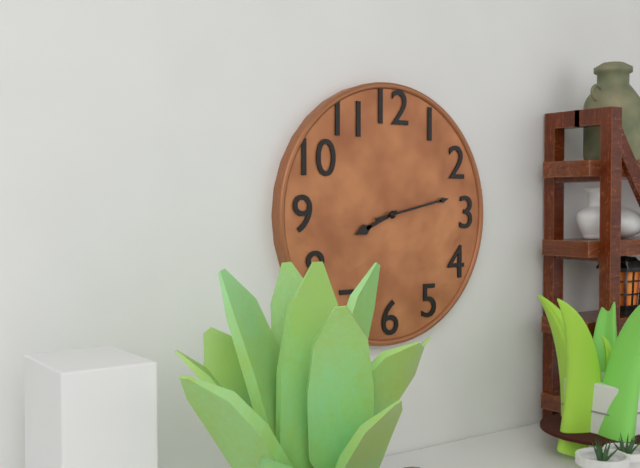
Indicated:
8.13
